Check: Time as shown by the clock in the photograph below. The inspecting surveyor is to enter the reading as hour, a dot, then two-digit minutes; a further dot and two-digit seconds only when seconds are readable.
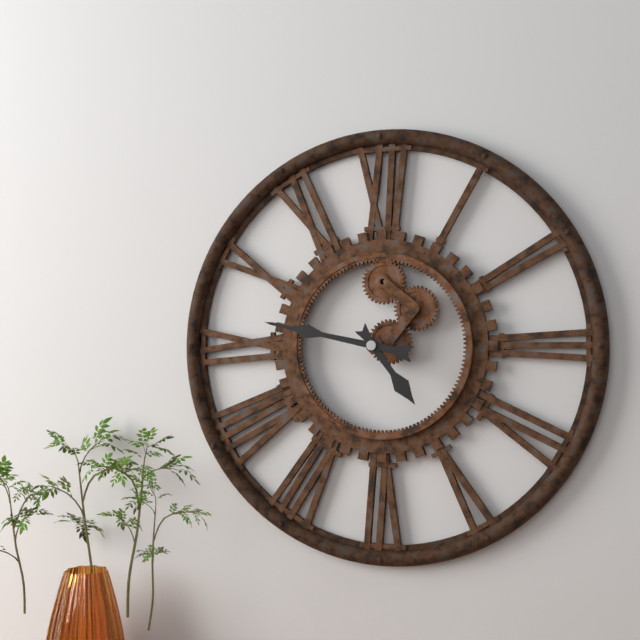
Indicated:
4.47
